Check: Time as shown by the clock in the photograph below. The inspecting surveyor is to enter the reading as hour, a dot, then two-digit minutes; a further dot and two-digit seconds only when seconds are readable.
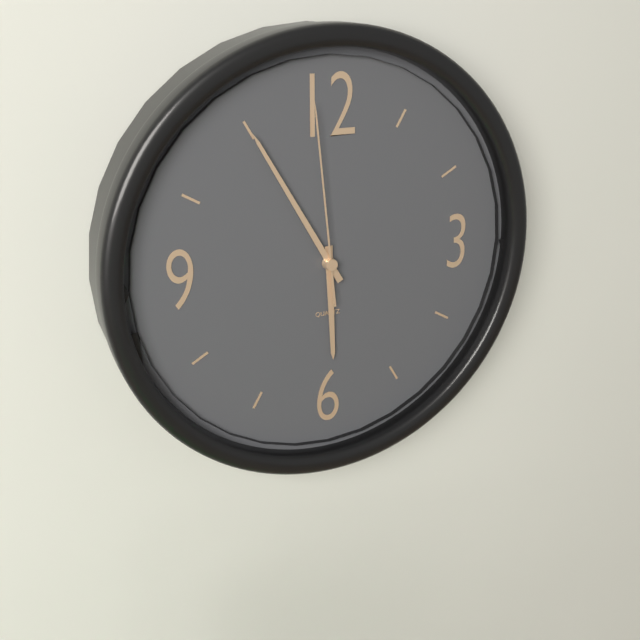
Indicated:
5.55.59
